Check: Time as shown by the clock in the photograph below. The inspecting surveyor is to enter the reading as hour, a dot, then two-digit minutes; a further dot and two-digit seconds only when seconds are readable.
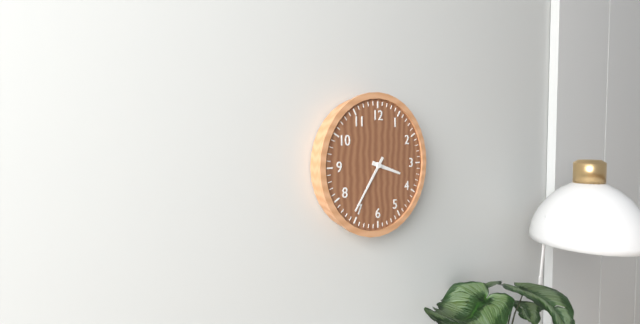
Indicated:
3.36
